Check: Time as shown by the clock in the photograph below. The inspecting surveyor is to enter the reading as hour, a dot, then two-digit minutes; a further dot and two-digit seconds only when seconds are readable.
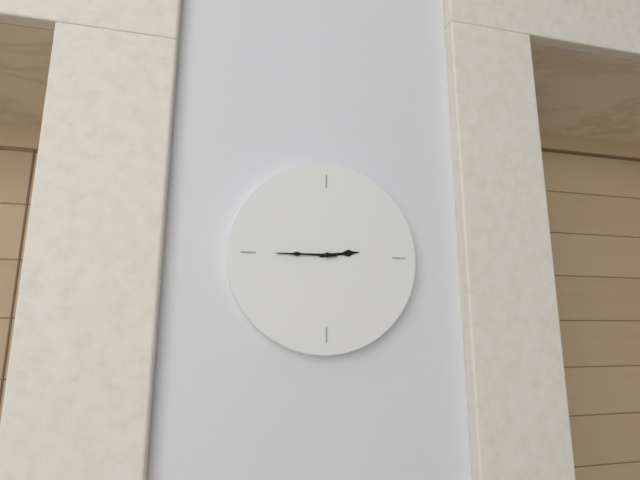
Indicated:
2.45
